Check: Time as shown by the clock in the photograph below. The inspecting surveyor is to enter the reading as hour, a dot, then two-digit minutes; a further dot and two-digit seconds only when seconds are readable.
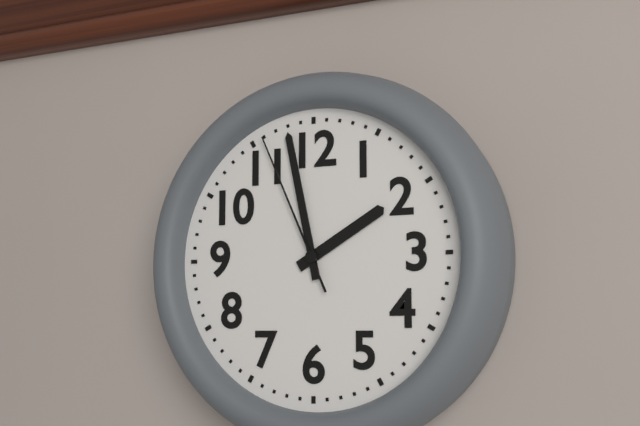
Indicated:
1.58.56
